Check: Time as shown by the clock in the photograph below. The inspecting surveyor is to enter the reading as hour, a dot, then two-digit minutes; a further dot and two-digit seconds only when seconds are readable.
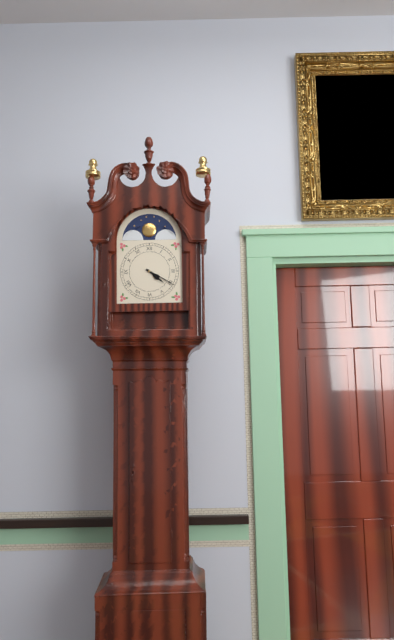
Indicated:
4.20
